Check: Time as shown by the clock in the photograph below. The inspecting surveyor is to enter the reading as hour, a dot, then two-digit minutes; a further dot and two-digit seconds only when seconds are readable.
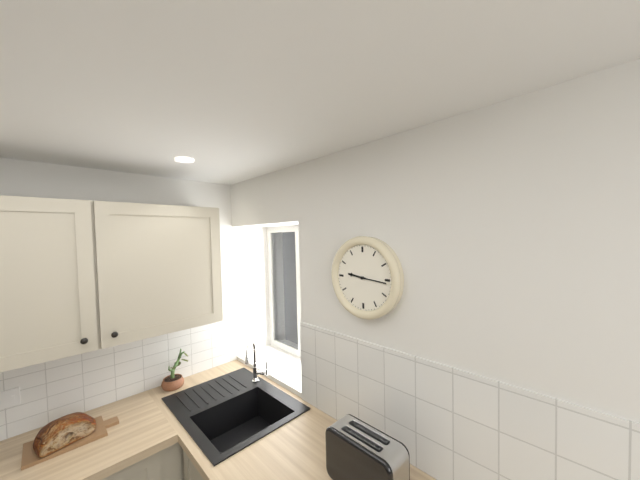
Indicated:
9.16
